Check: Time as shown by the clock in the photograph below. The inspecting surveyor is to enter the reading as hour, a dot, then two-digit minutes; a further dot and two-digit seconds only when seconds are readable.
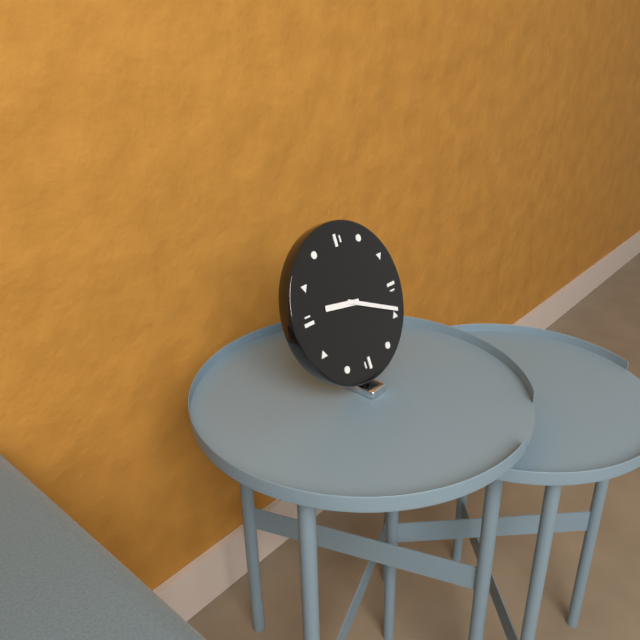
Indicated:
9.19
